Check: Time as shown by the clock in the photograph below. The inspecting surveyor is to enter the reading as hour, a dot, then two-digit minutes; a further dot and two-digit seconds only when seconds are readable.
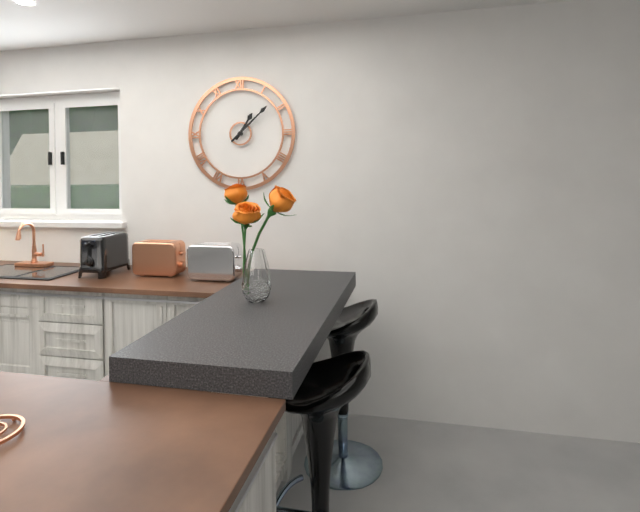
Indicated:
1.08
